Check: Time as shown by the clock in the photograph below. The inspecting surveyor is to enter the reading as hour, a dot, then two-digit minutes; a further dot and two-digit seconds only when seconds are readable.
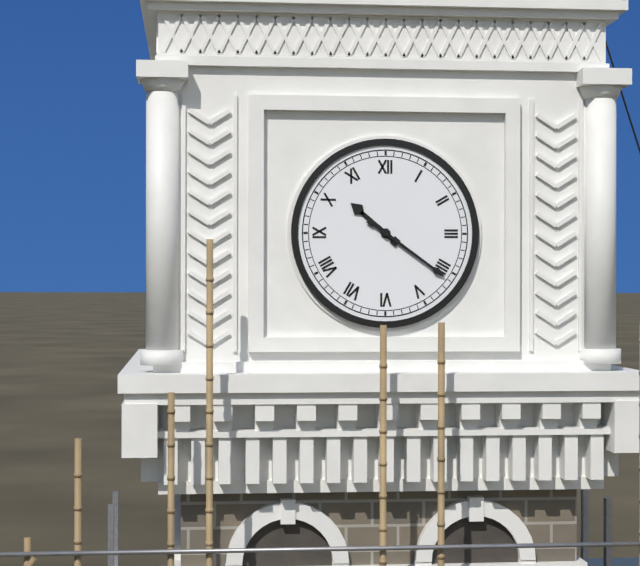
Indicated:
10.21
